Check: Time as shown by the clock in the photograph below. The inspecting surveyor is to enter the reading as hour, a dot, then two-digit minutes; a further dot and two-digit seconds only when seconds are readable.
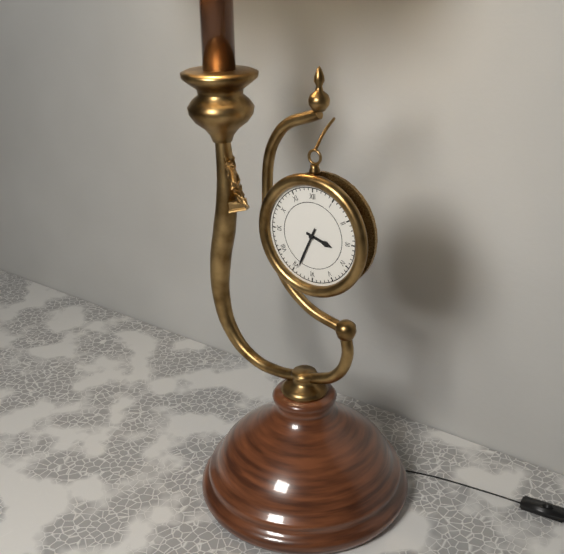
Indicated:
3.34
